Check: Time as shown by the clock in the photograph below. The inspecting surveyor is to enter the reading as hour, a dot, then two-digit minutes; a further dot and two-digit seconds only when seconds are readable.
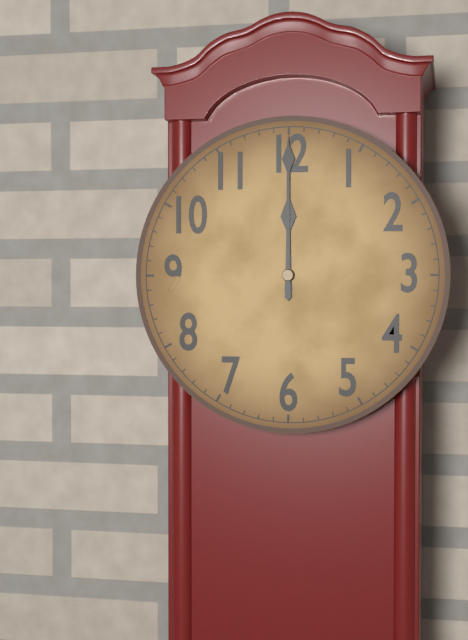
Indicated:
12.00
